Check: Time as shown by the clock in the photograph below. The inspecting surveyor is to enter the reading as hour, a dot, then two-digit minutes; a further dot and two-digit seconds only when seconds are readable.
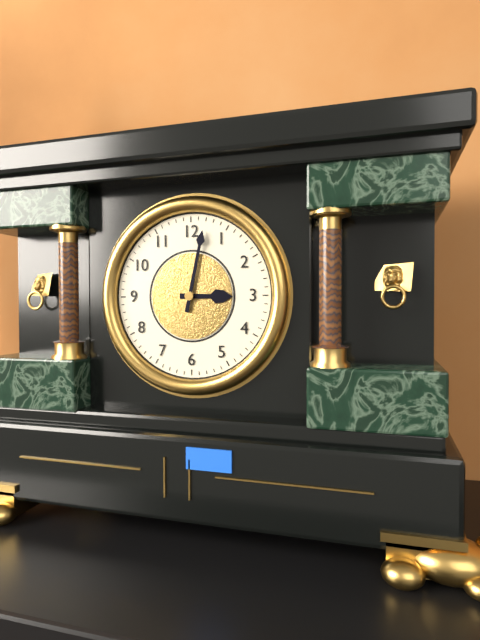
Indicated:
3.02
